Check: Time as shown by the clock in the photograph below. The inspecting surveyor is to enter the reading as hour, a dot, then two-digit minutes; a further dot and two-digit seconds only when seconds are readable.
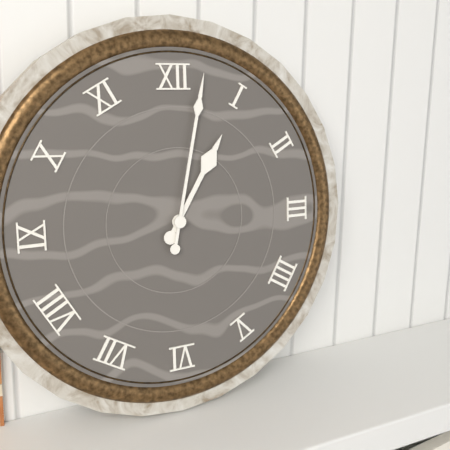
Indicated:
1.02
